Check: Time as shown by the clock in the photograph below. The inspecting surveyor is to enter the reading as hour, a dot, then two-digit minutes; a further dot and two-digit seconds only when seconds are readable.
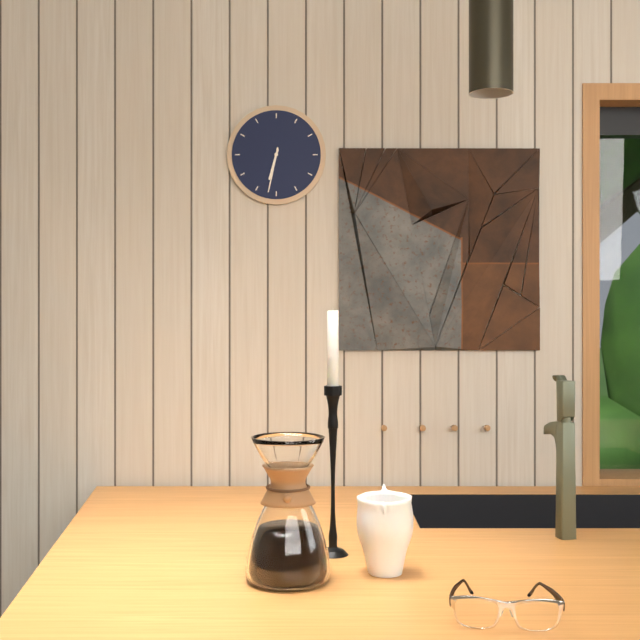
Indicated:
6.32
